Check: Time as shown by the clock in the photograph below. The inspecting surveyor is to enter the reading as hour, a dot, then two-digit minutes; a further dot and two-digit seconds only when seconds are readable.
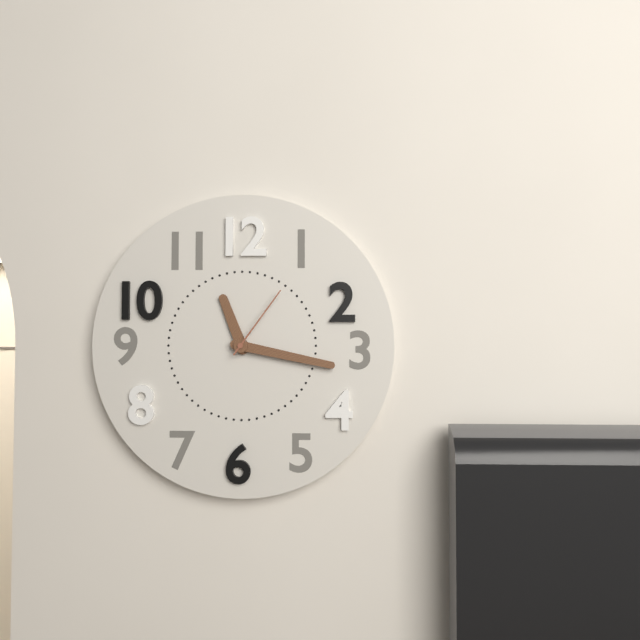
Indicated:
11.17.06
